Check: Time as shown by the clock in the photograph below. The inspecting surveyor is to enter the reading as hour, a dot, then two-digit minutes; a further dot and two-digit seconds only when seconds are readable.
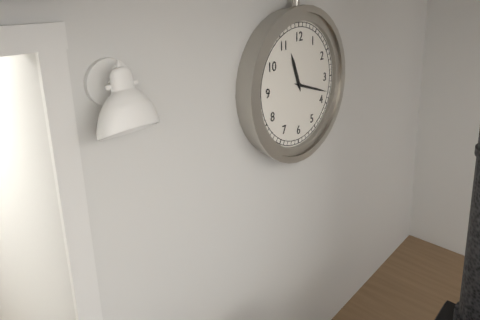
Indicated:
11.18
